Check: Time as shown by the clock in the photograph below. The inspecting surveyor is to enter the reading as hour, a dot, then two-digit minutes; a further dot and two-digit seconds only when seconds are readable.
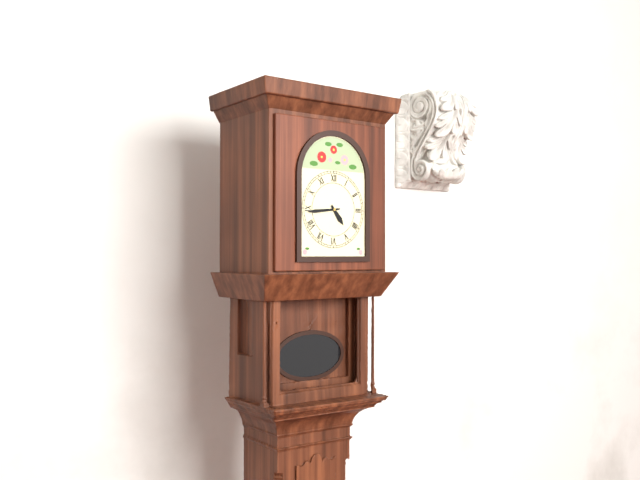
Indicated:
4.44
